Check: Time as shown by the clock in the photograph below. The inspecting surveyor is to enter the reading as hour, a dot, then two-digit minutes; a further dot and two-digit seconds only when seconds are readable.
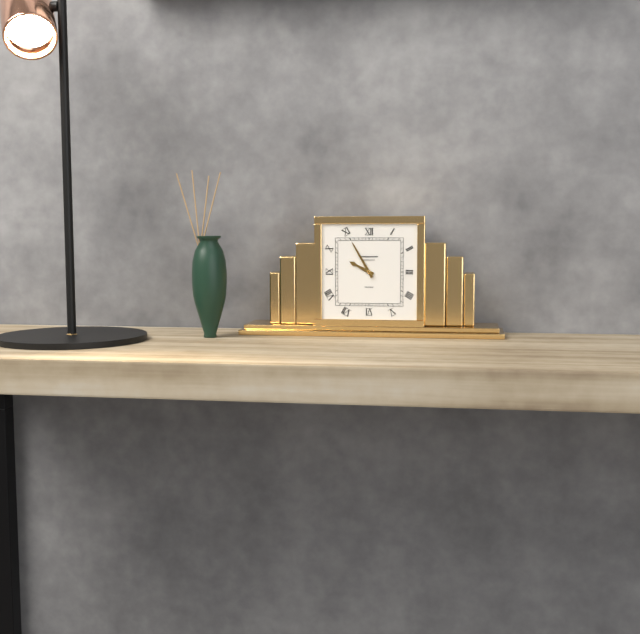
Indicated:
9.55
